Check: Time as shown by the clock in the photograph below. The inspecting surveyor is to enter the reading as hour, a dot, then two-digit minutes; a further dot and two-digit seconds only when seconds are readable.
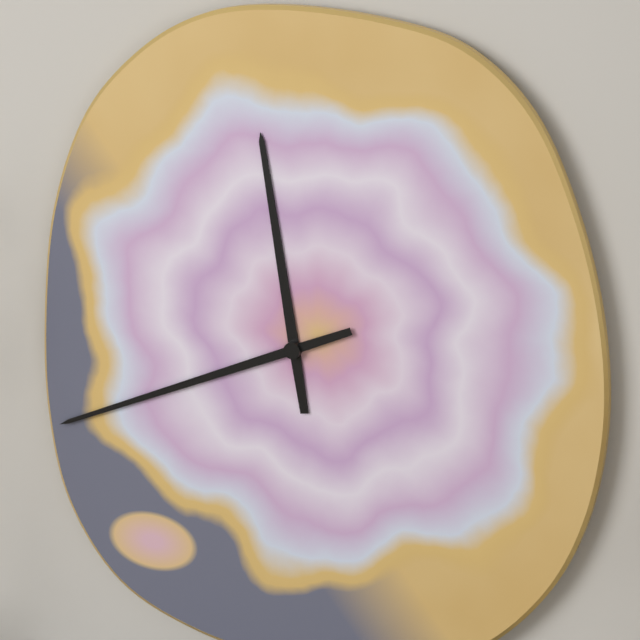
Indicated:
11.41
